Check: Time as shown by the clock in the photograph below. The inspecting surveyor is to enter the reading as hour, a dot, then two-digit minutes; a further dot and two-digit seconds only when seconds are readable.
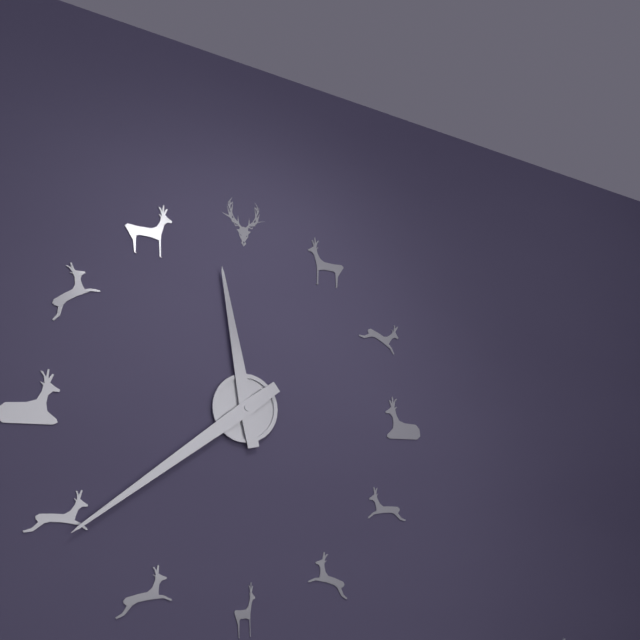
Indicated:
11.39
